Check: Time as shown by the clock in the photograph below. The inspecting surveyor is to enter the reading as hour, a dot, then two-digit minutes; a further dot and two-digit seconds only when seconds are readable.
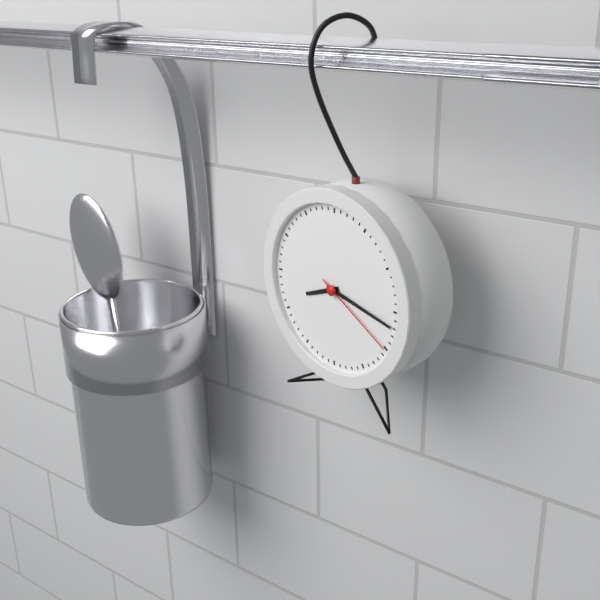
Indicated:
8.17.20
